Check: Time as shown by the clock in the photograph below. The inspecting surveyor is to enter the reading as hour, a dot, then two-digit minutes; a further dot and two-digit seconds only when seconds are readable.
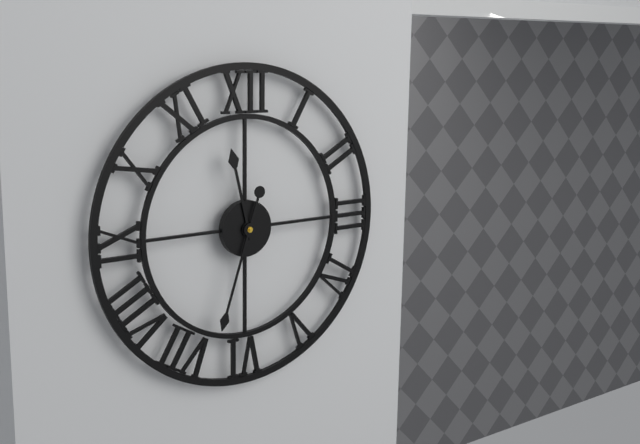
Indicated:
11.33
